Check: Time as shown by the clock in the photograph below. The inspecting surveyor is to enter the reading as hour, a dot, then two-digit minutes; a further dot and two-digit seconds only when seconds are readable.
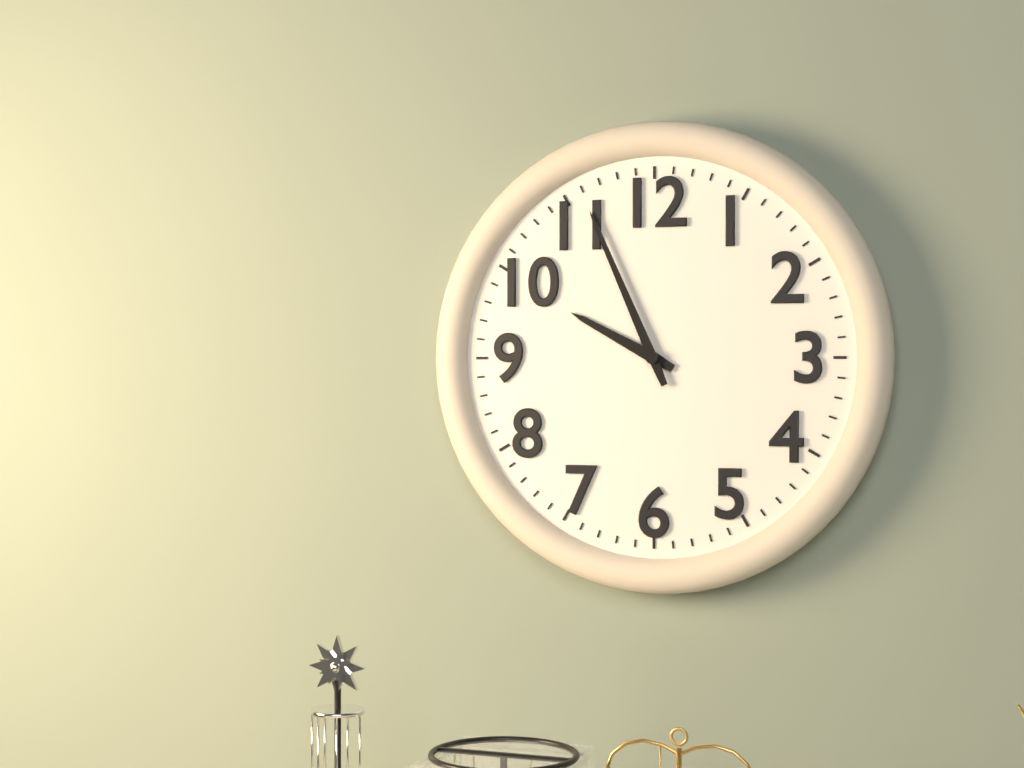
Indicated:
9.56
